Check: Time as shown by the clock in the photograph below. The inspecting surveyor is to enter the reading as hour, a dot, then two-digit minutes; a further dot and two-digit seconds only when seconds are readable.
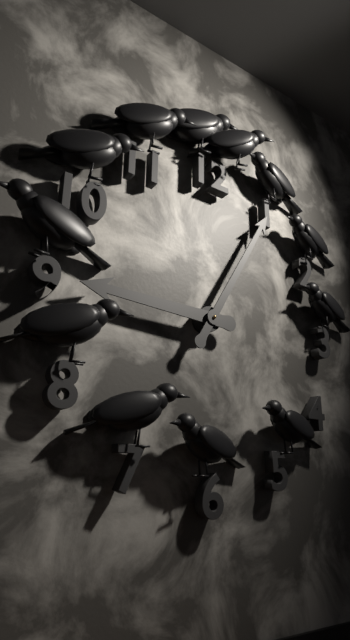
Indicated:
9.05
